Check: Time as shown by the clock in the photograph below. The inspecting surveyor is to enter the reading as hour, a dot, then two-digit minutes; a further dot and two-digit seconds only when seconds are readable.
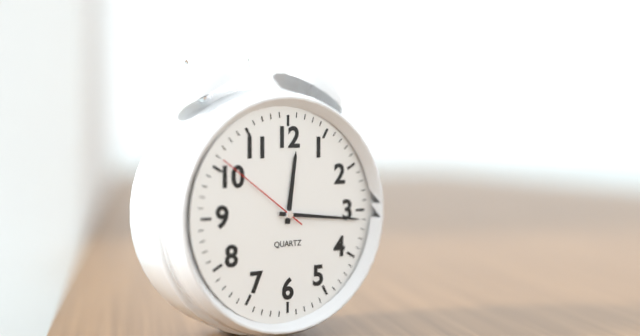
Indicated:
12.16.51
